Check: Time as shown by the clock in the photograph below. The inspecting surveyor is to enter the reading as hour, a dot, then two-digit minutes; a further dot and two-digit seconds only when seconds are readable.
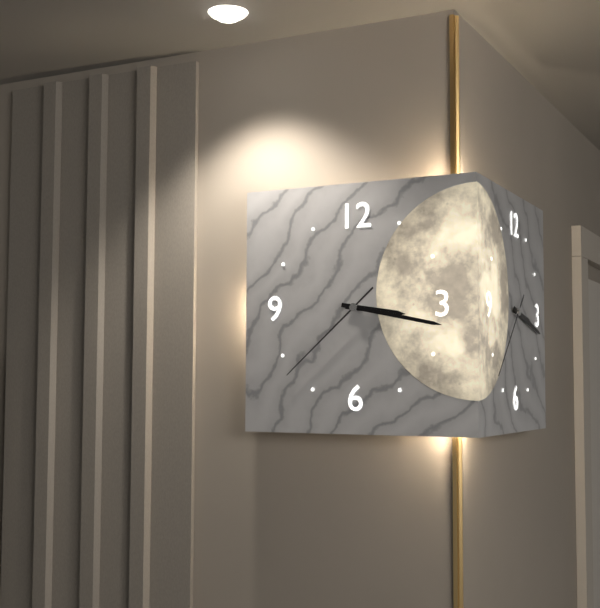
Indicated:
3.17.38
